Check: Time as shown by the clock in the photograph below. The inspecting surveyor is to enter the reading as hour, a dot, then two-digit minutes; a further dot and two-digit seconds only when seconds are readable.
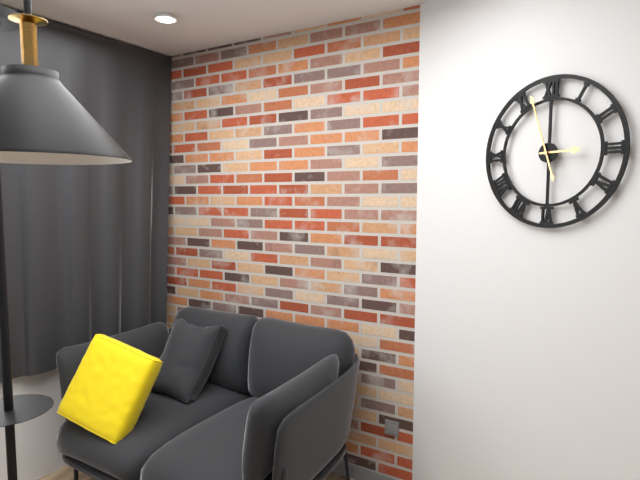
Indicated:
2.57
